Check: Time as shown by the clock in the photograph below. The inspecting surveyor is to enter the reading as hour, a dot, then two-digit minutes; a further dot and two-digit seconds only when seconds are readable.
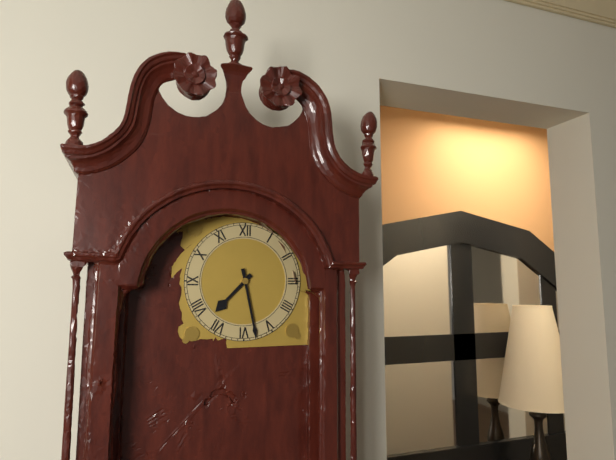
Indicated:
7.28
